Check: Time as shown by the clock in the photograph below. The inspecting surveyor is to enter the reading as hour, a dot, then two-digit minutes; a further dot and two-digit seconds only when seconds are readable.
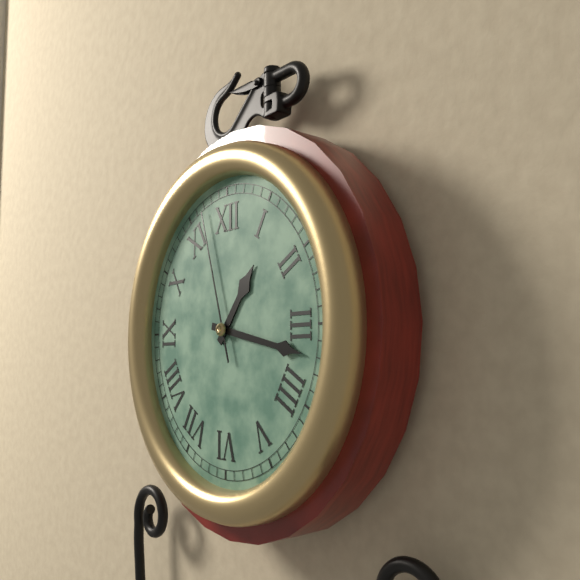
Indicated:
1.17.57
